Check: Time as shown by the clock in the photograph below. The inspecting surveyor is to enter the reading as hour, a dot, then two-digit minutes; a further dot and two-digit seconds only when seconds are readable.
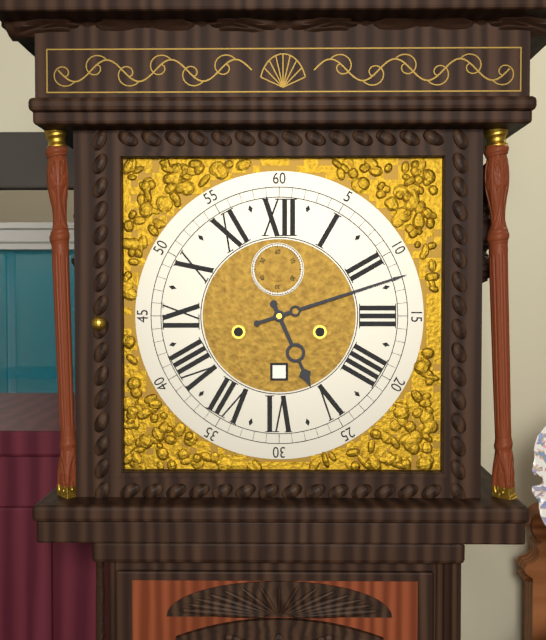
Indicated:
5.12
